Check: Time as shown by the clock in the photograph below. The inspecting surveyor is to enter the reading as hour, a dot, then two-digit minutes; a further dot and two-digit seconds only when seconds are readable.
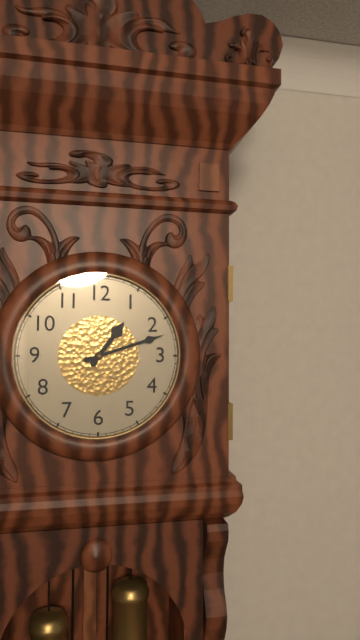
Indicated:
1.12
